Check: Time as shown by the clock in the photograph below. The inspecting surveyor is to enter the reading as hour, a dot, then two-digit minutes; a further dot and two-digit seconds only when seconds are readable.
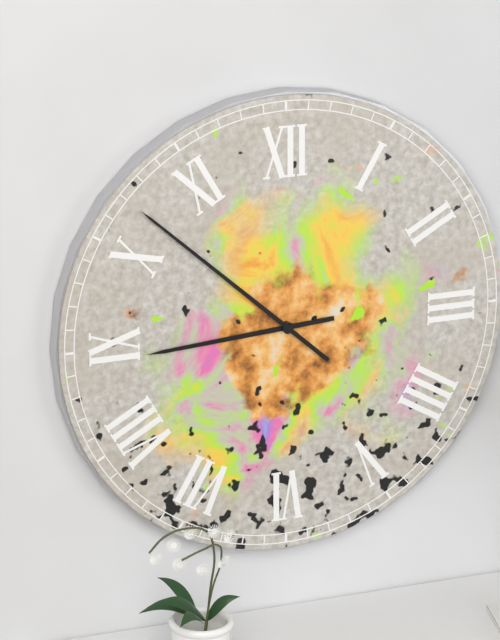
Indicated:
8.52
